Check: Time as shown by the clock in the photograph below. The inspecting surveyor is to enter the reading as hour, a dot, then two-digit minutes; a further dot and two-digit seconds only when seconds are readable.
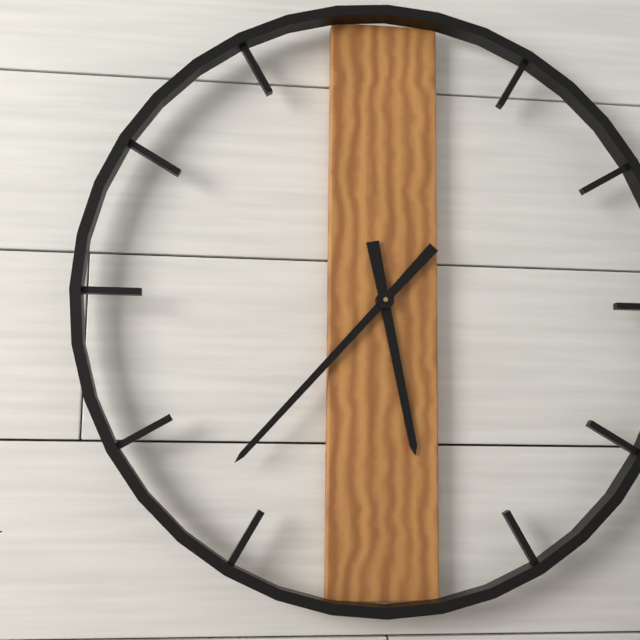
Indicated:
5.37
